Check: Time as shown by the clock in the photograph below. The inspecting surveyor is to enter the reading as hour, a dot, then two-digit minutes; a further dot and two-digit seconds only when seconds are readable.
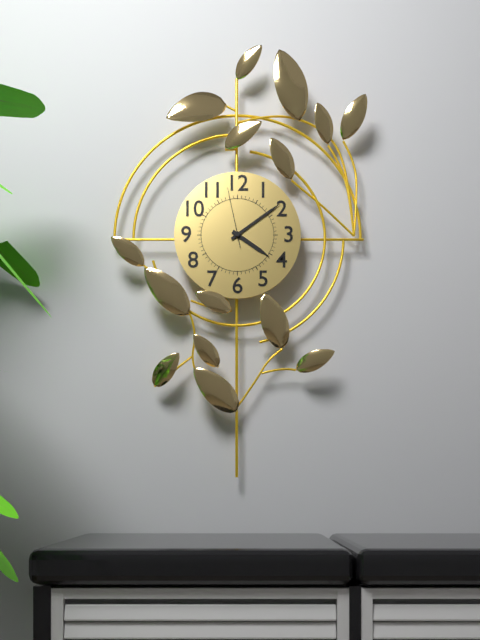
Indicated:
4.09.58
